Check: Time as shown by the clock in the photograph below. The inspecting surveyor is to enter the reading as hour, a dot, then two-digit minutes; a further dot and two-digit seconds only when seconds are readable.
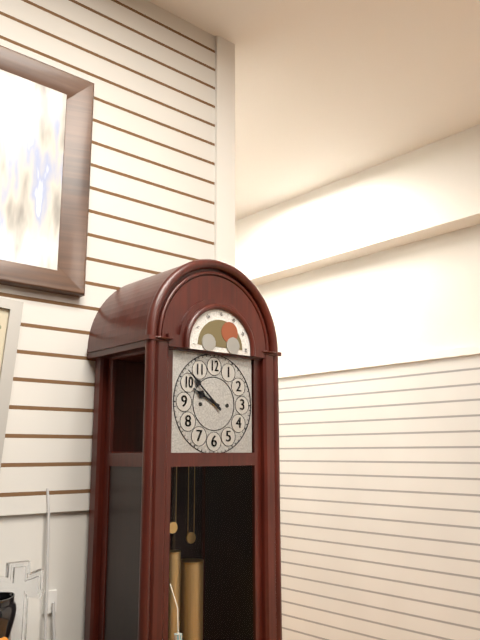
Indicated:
9.52
